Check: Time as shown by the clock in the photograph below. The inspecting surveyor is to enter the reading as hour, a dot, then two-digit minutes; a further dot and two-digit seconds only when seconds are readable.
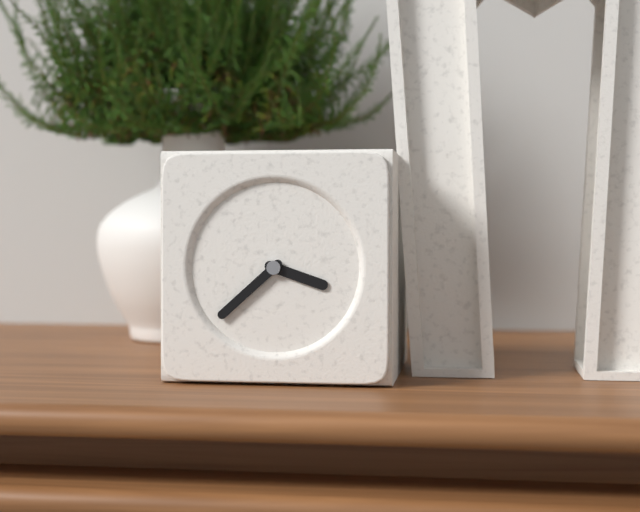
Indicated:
3.38
